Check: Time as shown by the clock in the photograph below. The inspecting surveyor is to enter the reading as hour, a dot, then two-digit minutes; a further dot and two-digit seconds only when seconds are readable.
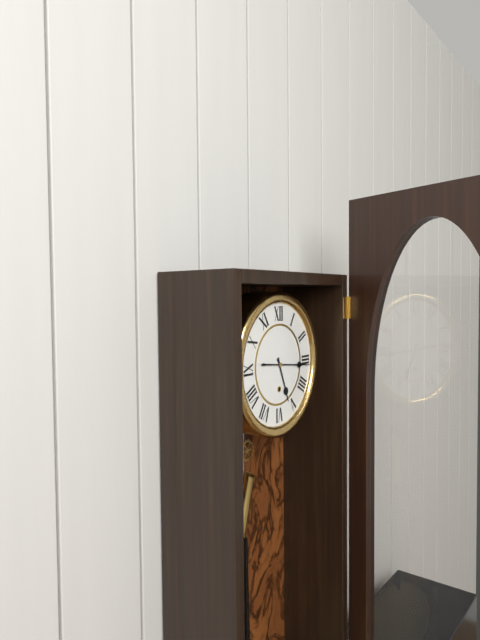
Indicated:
5.16
